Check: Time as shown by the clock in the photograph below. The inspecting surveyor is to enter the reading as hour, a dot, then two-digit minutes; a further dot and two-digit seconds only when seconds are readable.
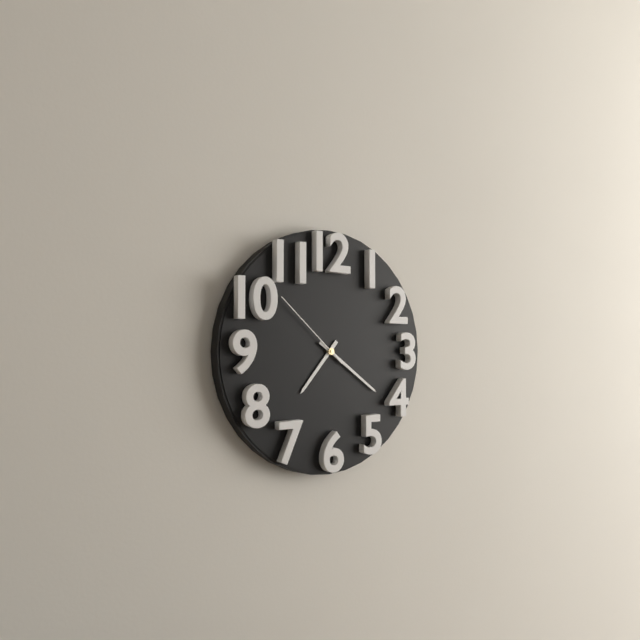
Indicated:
7.21.52
